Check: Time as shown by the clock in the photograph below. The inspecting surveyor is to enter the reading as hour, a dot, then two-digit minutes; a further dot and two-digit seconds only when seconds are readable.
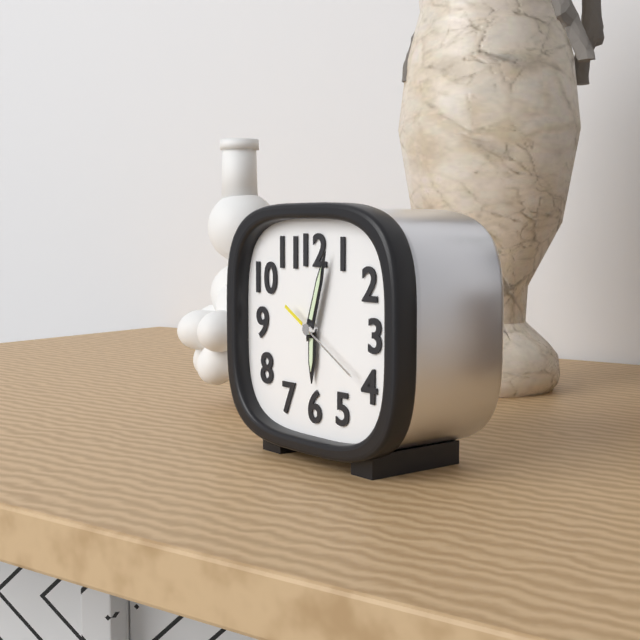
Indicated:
6.03.20
